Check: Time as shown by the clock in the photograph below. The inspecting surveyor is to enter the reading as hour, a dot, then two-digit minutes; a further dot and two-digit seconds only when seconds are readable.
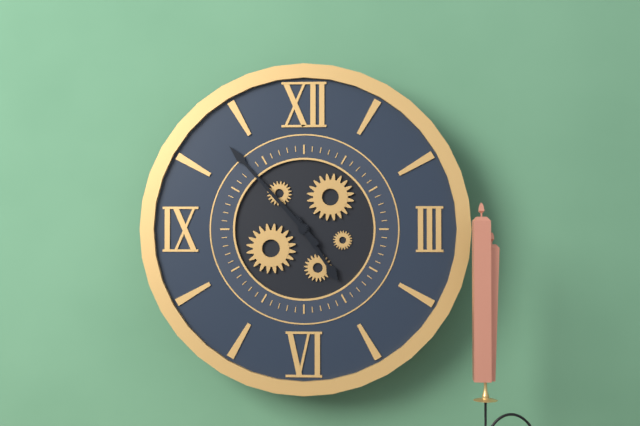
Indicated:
4.53
